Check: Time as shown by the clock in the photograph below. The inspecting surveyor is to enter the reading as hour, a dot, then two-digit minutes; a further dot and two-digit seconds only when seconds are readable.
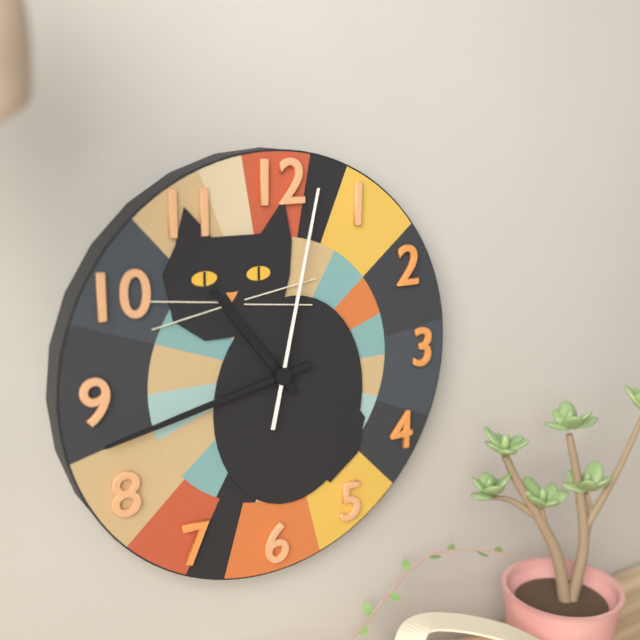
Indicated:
10.43.02
